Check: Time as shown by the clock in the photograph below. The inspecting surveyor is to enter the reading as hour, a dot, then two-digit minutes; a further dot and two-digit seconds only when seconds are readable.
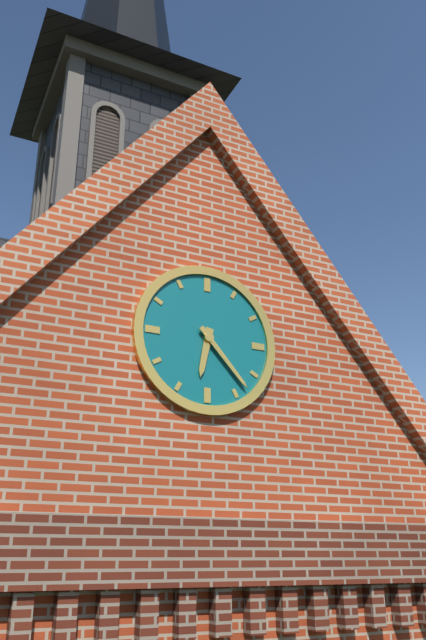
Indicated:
6.23
